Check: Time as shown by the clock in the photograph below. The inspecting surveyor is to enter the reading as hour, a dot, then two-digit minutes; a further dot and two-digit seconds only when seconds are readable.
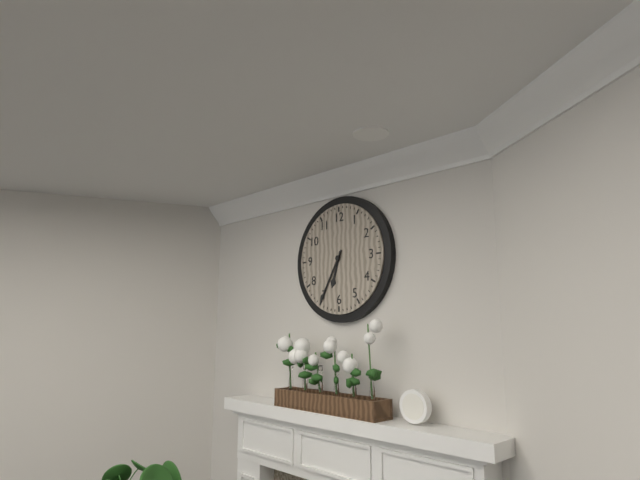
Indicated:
6.35
